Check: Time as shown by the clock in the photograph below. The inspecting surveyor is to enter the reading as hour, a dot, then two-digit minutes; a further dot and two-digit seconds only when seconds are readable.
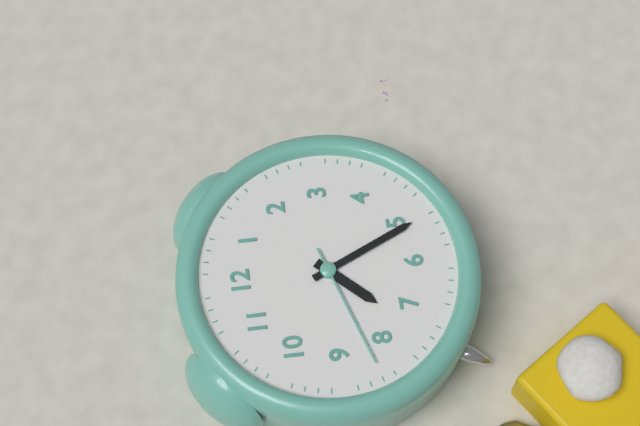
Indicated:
7.26.42
